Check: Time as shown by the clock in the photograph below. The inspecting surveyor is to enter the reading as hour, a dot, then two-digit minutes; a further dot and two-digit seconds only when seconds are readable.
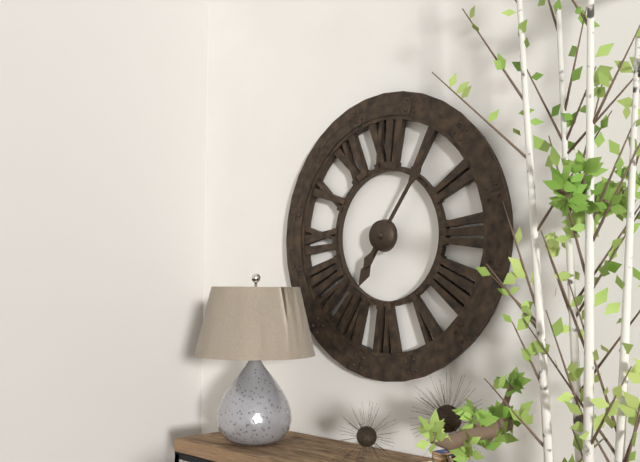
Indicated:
7.06
